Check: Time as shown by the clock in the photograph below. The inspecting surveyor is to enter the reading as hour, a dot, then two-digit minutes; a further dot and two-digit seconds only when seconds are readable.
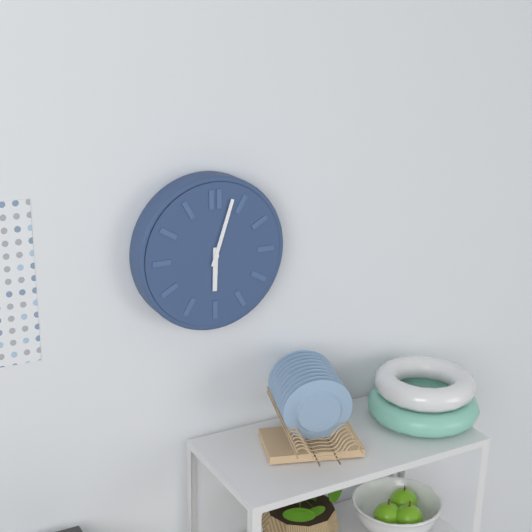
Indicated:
6.03
